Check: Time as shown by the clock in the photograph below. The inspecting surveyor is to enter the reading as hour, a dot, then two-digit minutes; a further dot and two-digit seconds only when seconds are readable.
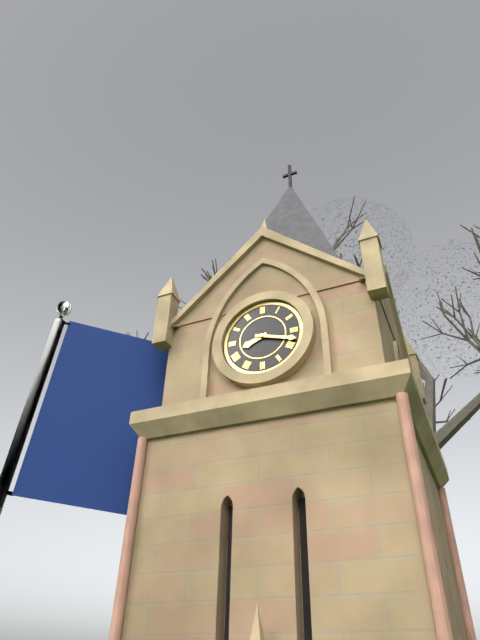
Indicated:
8.18
